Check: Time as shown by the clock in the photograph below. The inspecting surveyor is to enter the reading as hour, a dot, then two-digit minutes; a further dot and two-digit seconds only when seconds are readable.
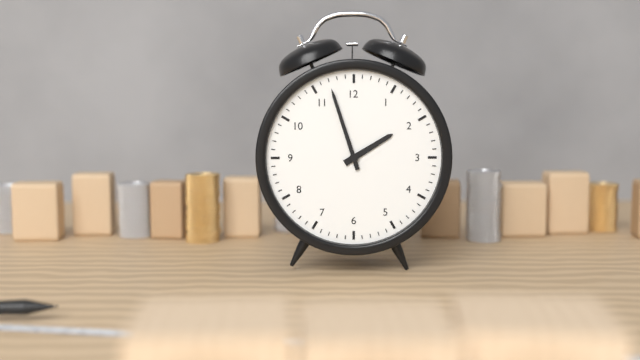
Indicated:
1.57
